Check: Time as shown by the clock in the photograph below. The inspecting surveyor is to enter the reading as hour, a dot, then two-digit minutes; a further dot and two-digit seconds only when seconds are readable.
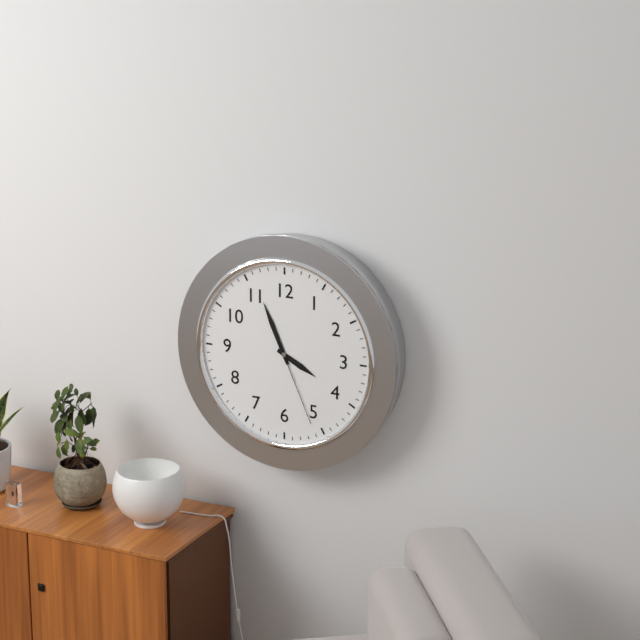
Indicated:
3.56.26
